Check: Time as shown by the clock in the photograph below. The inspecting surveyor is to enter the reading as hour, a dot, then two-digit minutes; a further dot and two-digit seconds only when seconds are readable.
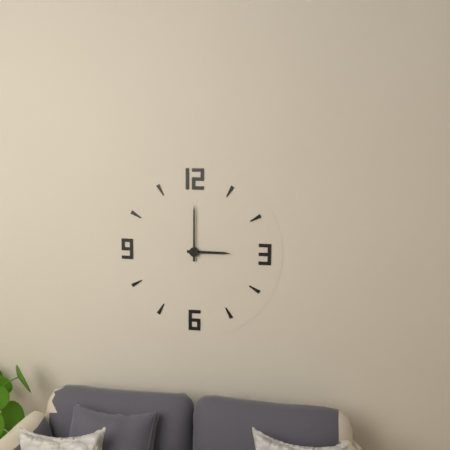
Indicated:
3.00
